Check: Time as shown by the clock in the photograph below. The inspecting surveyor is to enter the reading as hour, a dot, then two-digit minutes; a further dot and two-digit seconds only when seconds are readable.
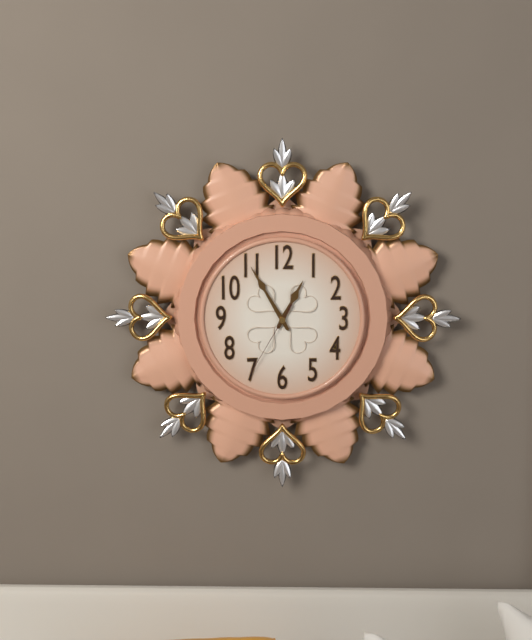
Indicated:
12.55.35
